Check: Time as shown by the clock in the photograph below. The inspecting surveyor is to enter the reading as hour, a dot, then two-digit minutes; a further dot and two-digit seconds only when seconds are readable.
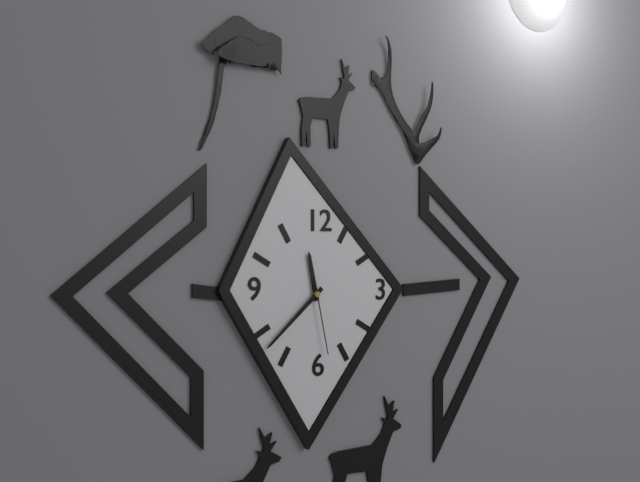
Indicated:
11.38.28
